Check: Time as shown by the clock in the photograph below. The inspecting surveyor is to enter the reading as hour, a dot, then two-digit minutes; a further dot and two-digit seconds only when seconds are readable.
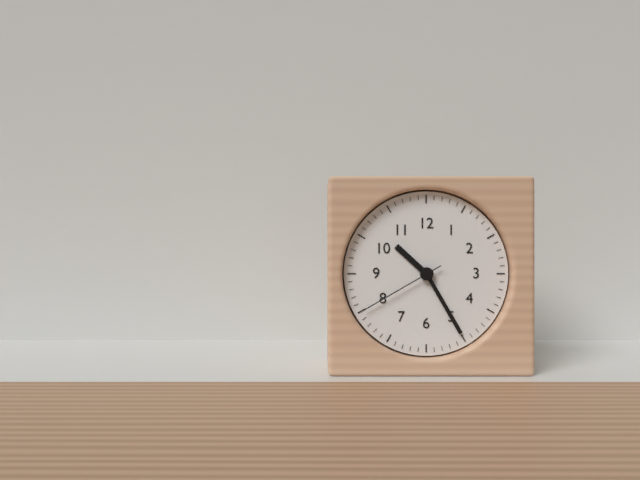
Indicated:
10.25.40
